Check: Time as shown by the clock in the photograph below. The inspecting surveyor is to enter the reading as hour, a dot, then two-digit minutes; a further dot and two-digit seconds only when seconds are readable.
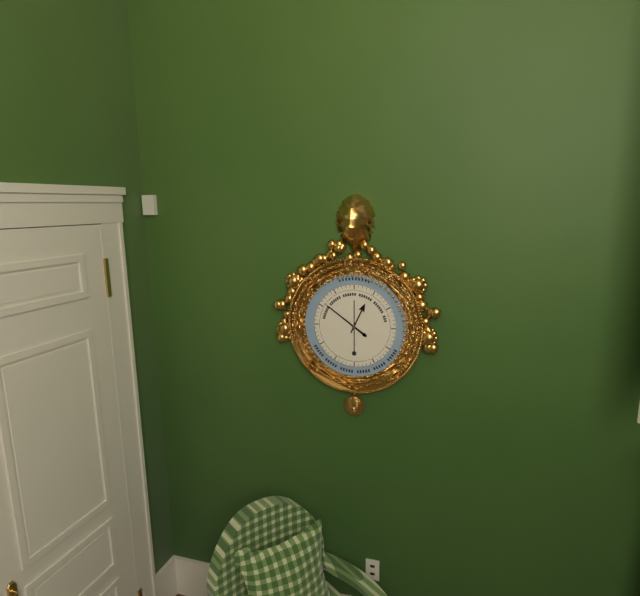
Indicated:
12.51
